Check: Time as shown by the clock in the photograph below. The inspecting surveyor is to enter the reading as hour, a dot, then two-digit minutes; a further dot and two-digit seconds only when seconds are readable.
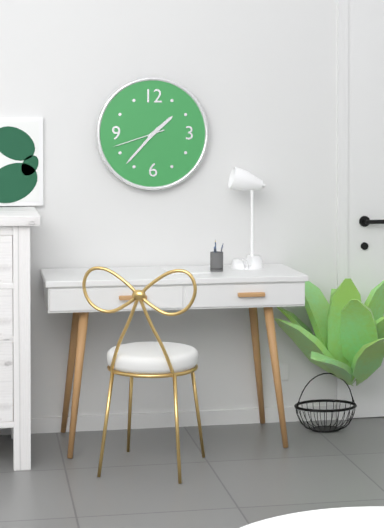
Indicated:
1.37.42
